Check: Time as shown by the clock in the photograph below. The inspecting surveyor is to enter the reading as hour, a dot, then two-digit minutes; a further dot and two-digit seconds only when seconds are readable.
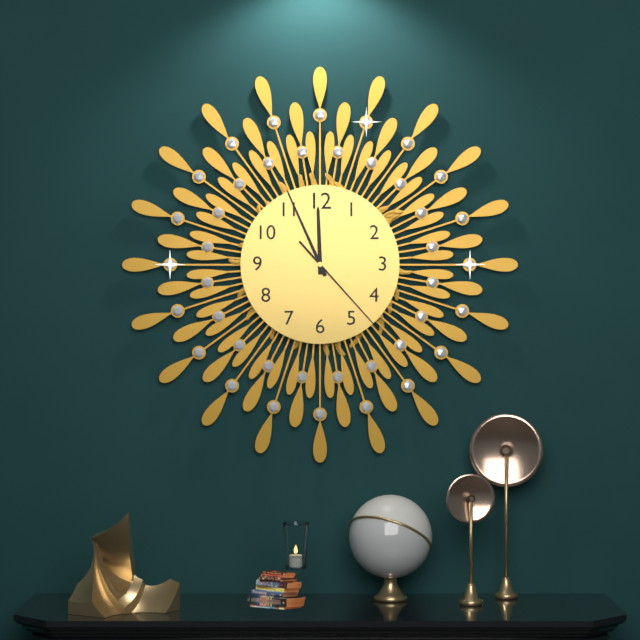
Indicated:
11.56.23
